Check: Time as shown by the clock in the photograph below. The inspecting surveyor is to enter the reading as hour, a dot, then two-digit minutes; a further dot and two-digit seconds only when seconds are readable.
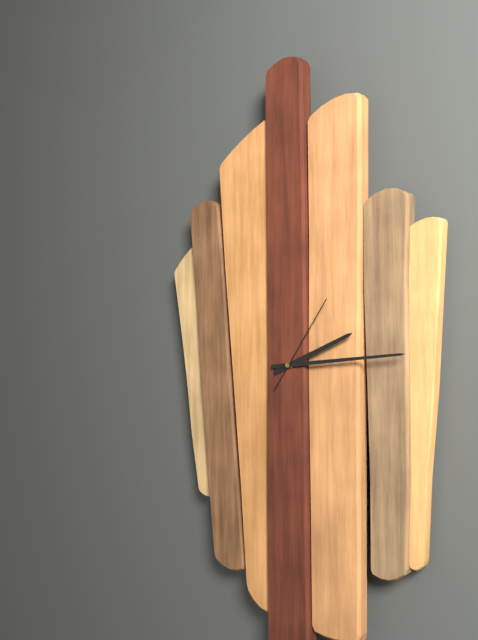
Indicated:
2.14.06
